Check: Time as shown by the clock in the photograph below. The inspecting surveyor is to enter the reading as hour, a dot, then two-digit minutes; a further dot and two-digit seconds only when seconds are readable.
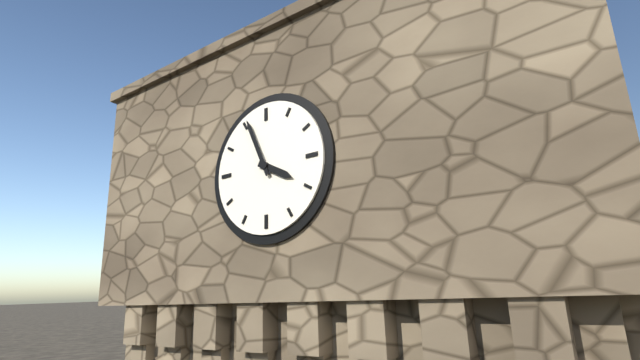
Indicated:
3.56
